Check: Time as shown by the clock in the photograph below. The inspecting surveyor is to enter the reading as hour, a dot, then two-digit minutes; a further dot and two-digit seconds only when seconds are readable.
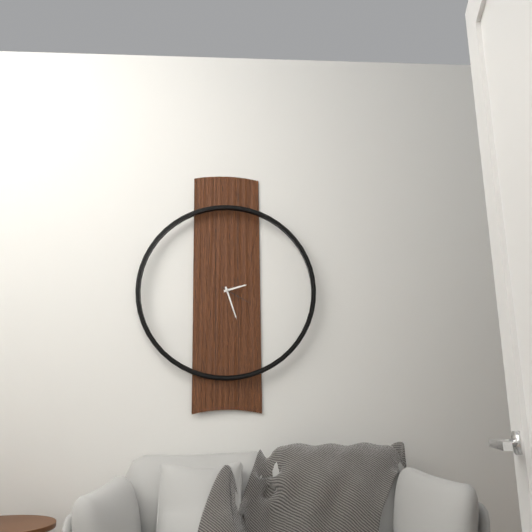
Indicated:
2.27
